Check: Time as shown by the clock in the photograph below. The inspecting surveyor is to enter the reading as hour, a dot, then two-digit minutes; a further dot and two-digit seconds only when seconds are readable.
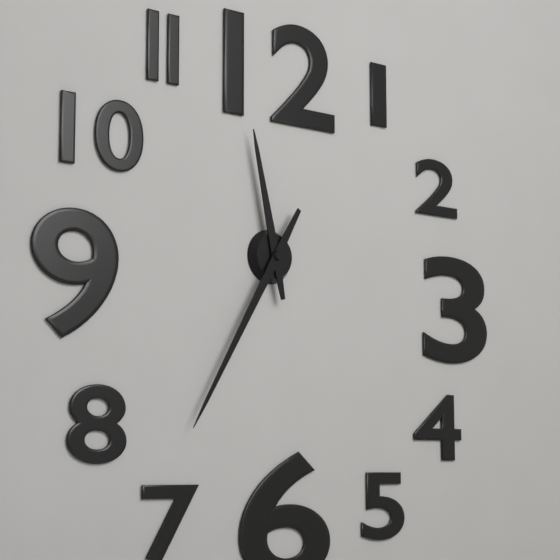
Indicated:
11.35
